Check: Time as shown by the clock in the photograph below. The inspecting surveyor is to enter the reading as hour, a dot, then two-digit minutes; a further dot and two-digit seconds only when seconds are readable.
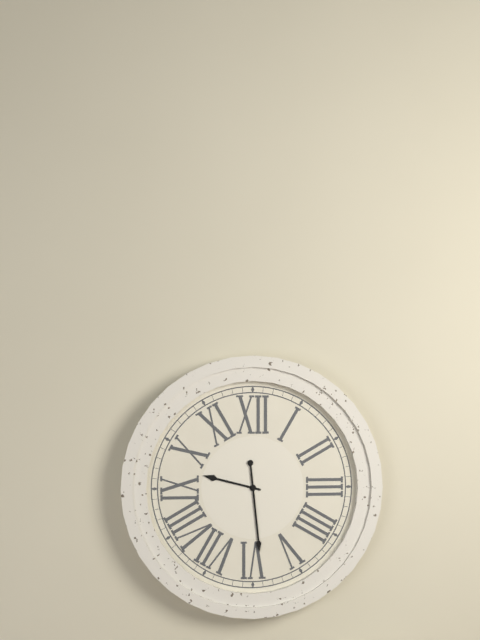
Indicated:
9.29
